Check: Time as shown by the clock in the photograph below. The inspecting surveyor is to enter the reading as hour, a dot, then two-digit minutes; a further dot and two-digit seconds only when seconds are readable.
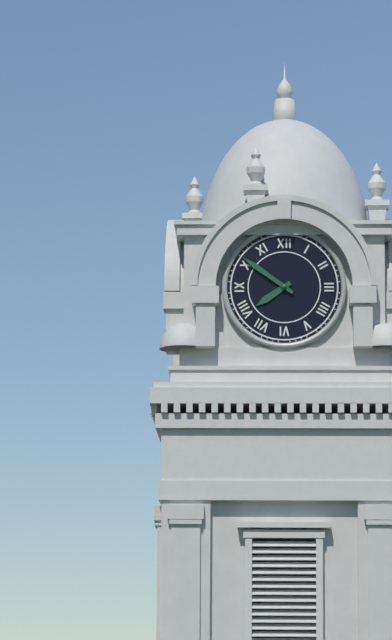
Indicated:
7.51
